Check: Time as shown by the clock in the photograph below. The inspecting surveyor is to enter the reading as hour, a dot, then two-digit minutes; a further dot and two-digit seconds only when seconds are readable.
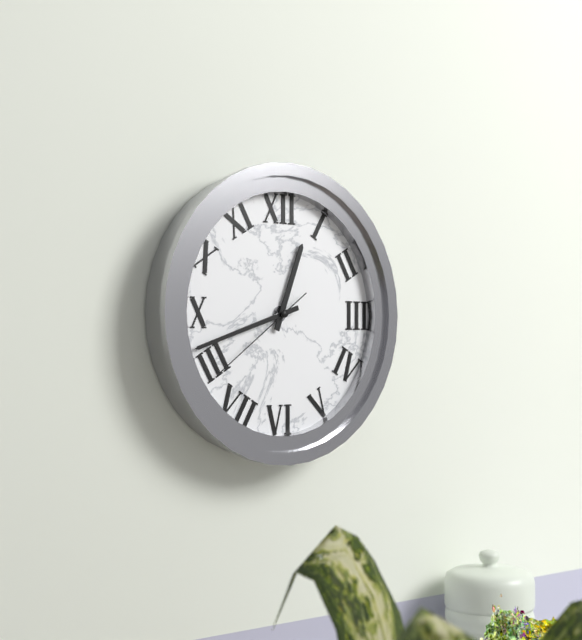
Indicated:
12.42.39
